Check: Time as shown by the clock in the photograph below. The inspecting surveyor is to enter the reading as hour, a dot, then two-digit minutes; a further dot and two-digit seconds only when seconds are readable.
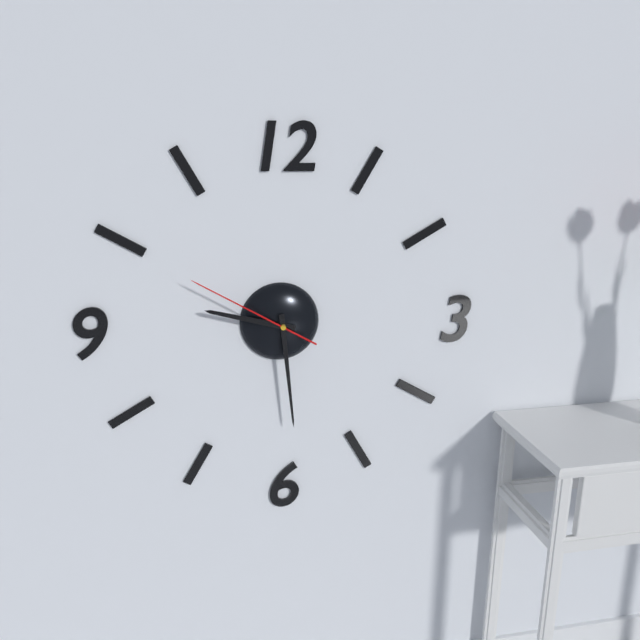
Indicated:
9.29.50
